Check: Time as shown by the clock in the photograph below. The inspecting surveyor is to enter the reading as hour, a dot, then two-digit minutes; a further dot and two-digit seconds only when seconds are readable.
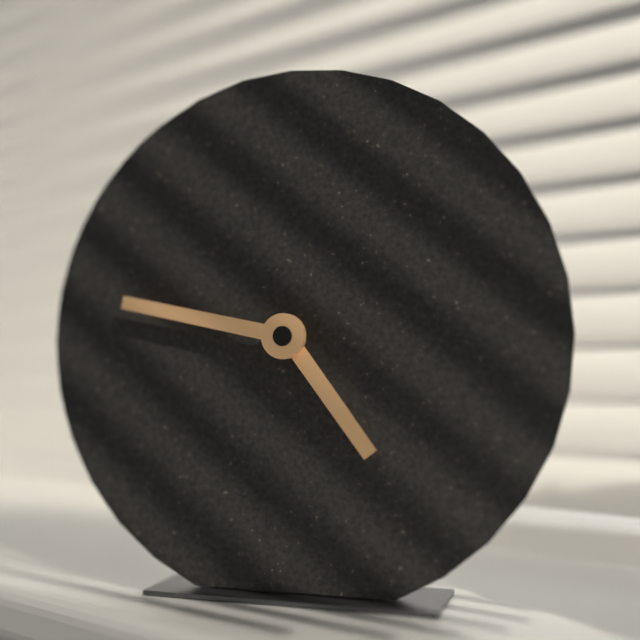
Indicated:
4.47
